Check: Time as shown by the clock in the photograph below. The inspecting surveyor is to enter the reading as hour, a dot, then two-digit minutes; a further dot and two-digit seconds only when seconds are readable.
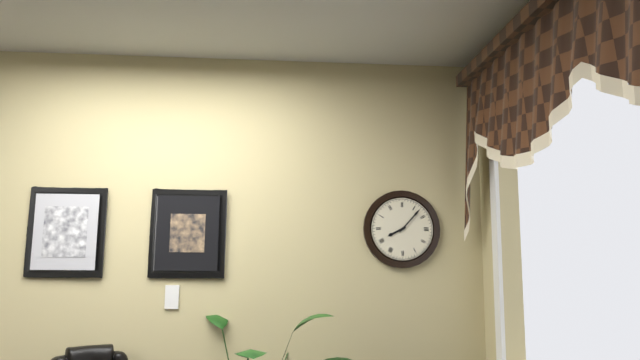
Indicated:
8.07
